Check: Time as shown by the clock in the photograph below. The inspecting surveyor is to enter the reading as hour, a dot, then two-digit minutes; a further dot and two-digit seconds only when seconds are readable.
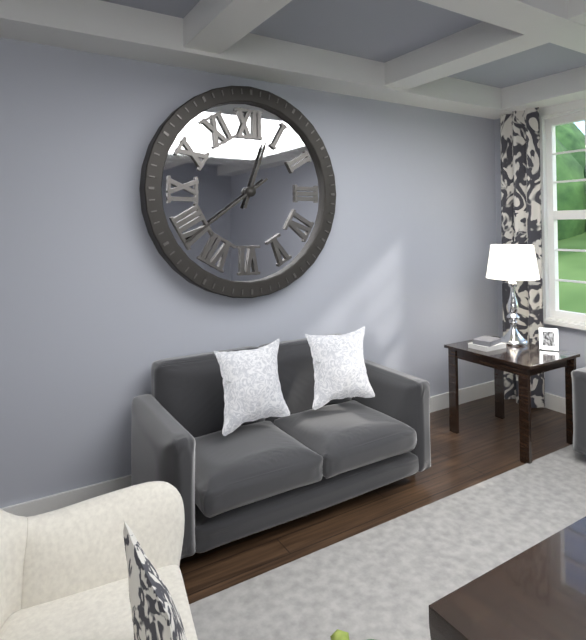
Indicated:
12.39
